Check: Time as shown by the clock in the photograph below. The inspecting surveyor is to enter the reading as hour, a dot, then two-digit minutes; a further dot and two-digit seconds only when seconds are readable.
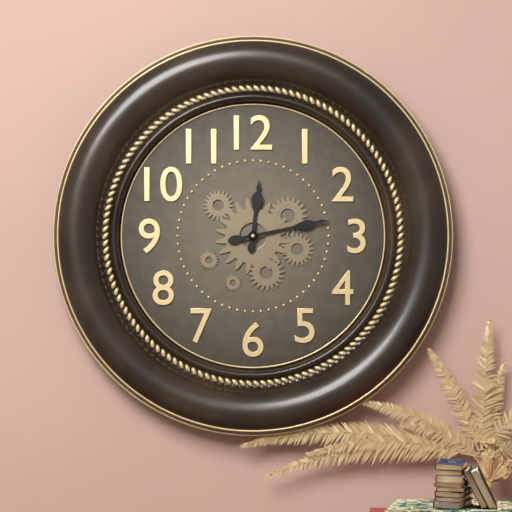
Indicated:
12.13
